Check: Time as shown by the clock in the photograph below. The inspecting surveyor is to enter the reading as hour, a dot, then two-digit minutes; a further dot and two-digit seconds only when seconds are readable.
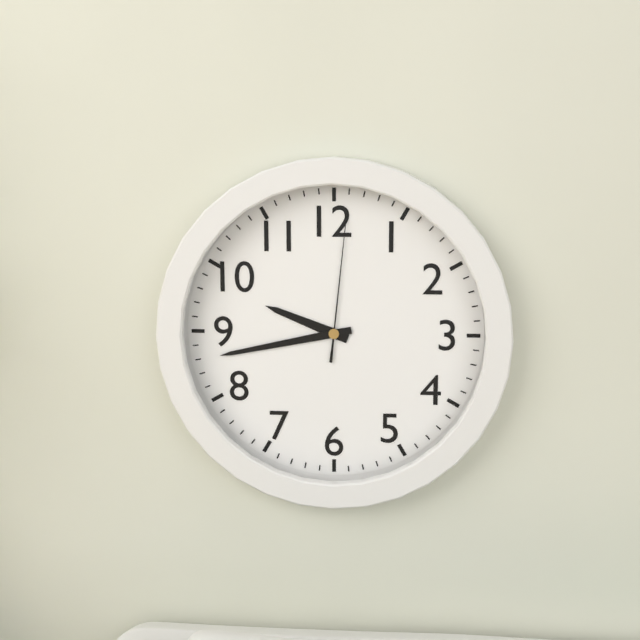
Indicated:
9.43.01
